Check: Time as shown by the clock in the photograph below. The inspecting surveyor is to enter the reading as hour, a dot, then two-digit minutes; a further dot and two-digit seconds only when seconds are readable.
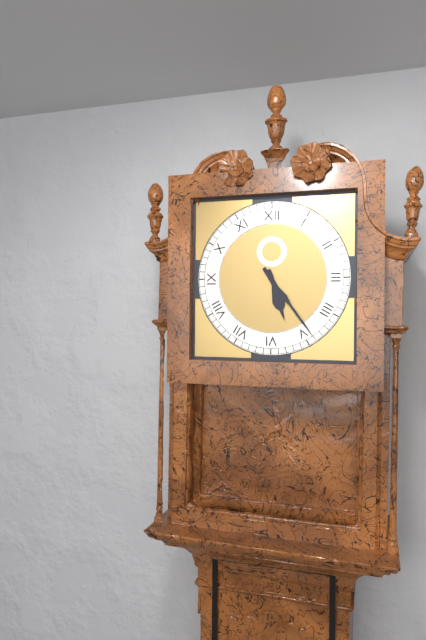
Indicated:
5.24
